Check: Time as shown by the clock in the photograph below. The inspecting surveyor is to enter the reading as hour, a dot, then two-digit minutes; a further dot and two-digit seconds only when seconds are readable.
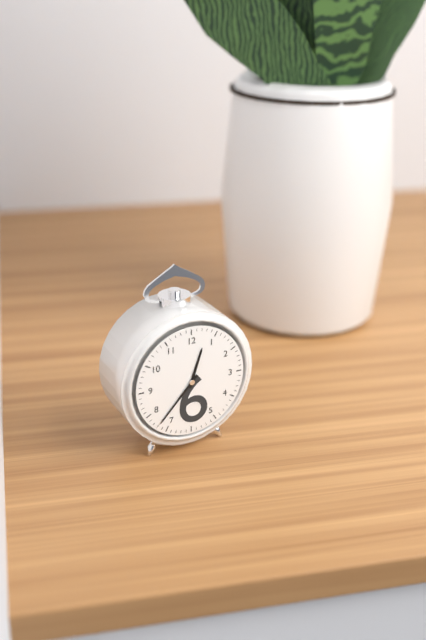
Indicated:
12.37
